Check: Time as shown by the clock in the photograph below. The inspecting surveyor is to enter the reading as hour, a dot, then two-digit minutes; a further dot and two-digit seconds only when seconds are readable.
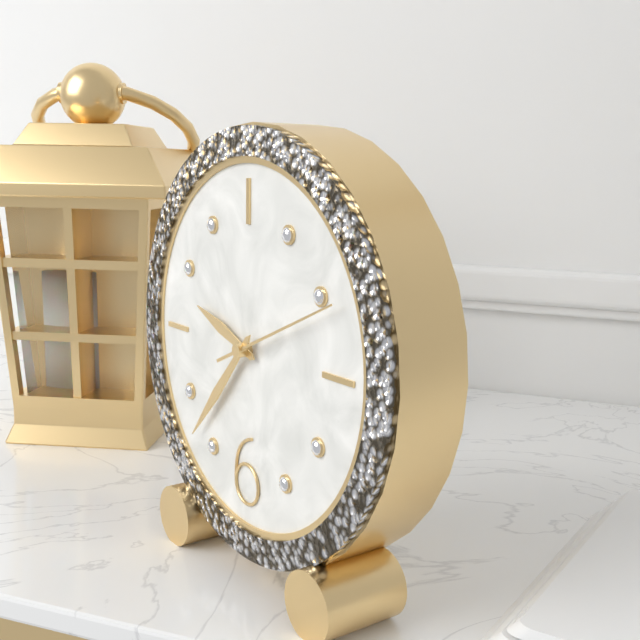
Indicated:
9.37.11
